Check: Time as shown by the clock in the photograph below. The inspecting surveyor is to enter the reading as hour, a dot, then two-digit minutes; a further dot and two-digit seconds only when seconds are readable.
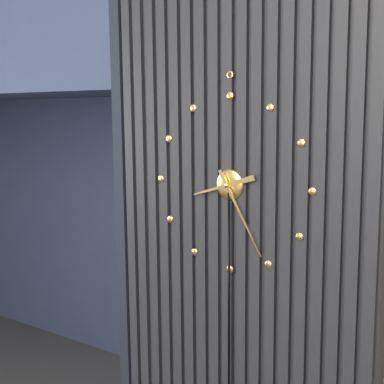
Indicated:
8.25
